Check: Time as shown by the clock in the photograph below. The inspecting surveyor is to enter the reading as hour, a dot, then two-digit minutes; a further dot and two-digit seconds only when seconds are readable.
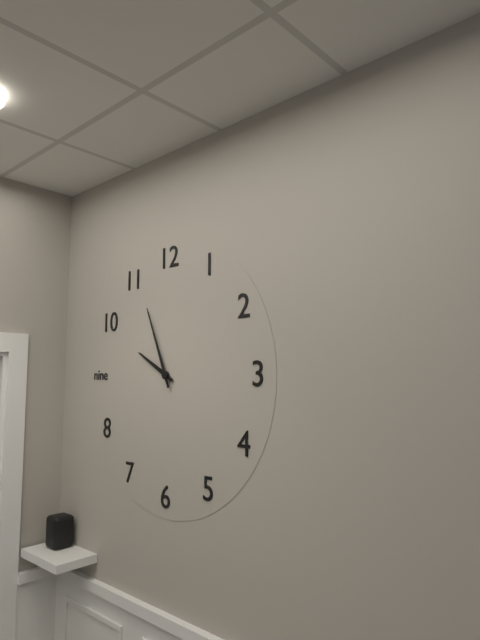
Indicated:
9.56
